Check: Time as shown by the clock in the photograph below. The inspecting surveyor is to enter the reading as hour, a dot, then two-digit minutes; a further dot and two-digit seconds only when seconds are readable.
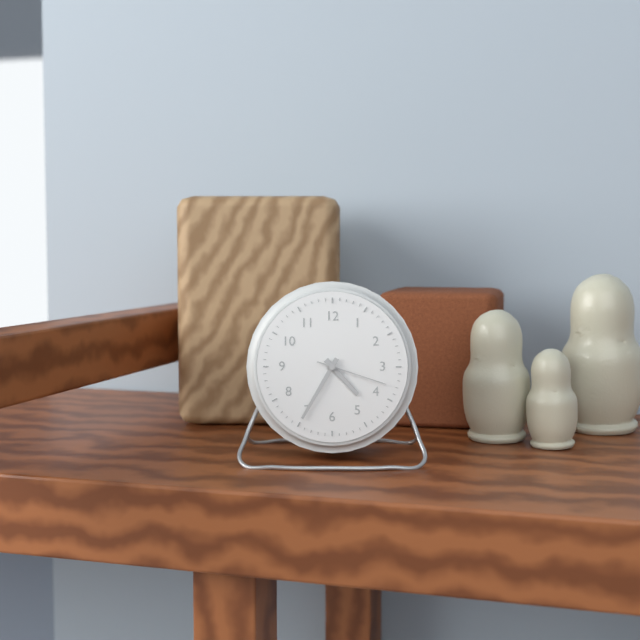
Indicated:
4.35.18
